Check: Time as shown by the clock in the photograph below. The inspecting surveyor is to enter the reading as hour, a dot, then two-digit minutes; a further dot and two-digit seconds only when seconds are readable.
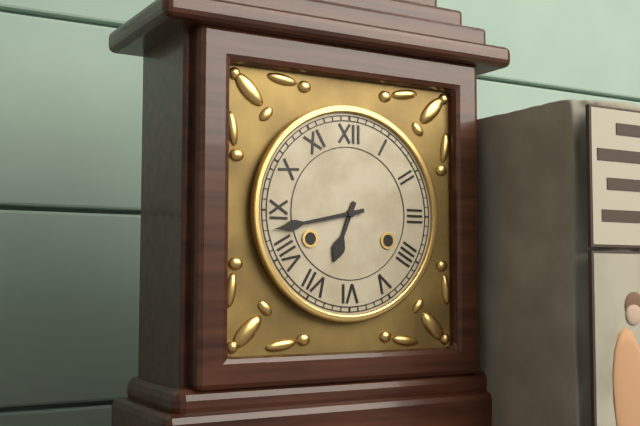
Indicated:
6.43
